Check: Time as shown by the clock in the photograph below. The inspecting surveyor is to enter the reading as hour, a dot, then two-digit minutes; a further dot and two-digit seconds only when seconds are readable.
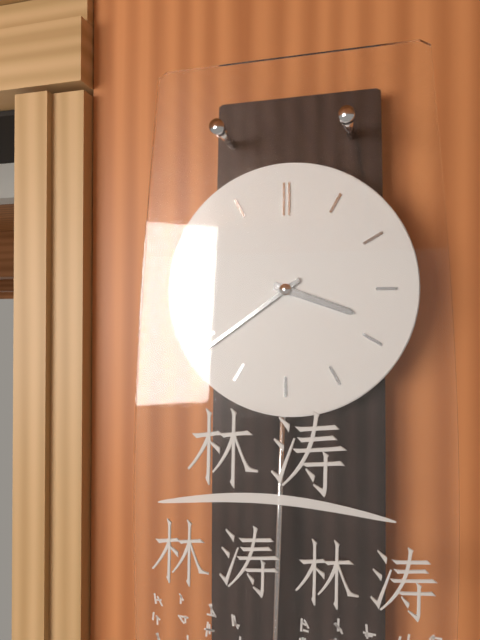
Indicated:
3.39
